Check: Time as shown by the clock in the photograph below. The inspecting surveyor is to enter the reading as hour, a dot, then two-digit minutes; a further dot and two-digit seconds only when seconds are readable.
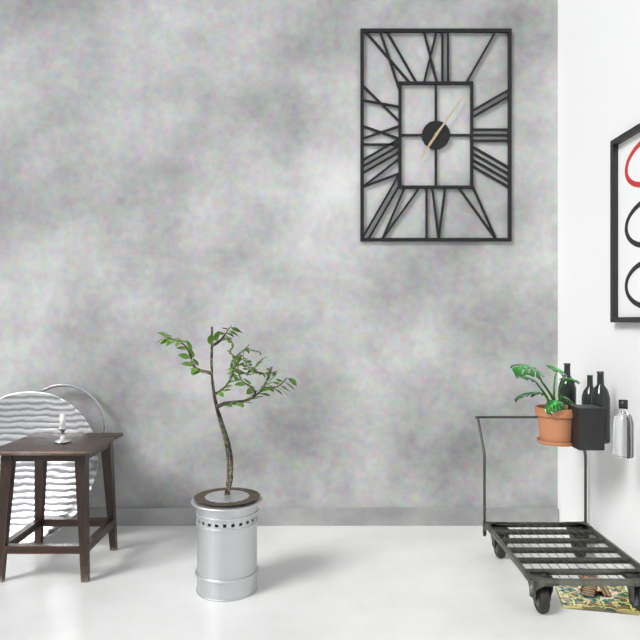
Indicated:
7.06
